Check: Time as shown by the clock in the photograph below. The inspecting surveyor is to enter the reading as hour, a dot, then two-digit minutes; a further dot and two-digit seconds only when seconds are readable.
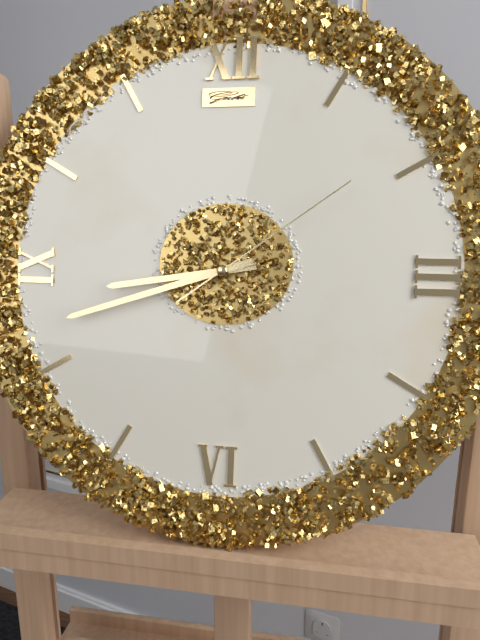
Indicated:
8.42.09
